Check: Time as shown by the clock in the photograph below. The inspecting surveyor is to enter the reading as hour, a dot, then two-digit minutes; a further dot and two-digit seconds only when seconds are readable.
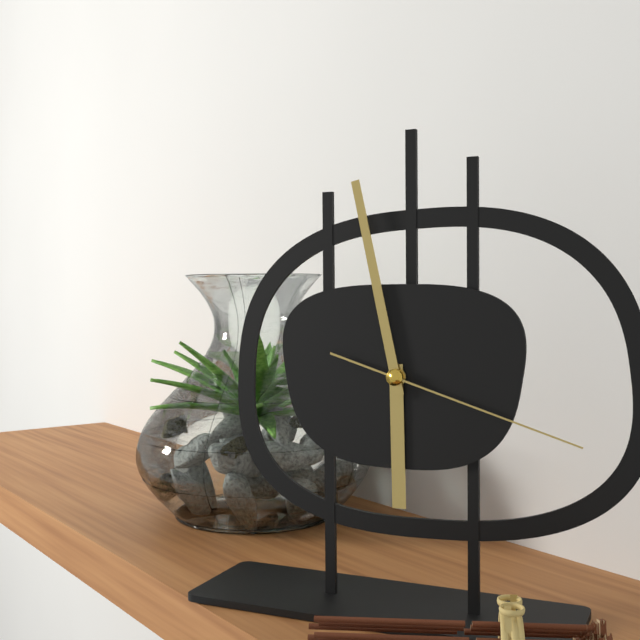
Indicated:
5.58.18
